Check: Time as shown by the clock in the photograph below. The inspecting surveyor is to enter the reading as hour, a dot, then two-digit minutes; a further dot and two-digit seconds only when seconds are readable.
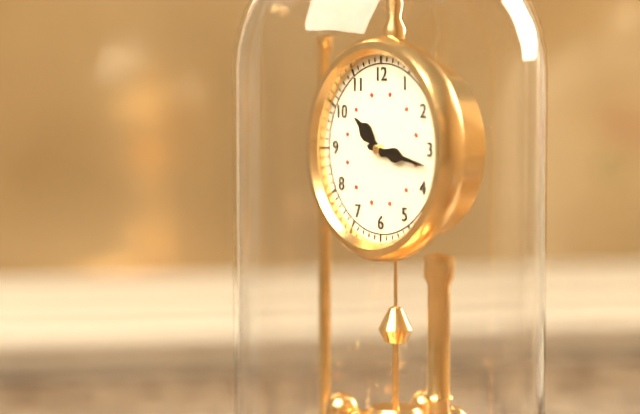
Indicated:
10.17
